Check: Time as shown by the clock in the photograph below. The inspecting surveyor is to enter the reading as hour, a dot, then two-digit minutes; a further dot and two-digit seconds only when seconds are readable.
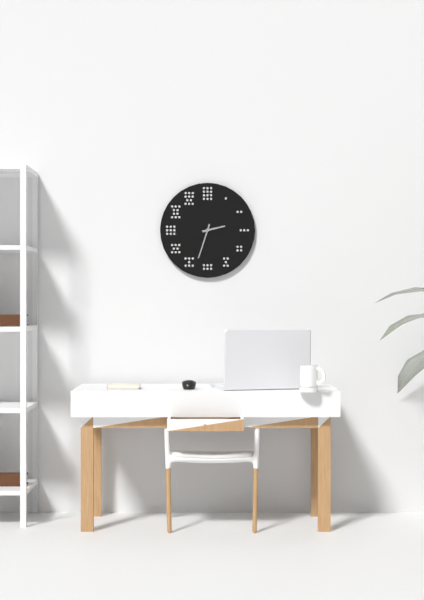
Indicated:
2.33
